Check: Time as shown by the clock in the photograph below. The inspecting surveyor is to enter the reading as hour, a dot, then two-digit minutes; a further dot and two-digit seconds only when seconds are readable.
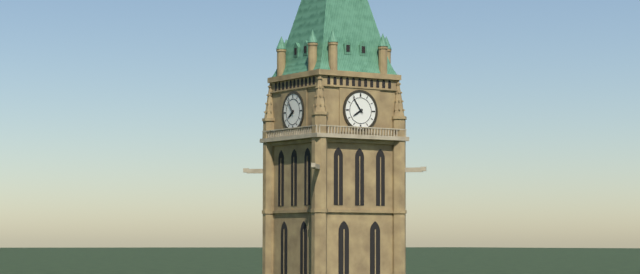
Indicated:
7.54
